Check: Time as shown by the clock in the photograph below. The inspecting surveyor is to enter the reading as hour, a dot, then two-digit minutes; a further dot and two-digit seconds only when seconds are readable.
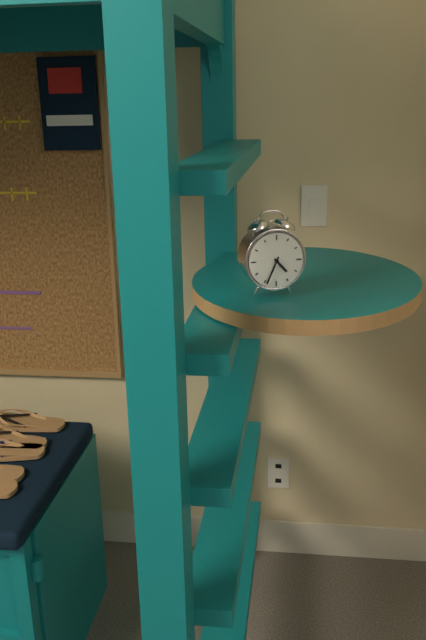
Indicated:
4.34
